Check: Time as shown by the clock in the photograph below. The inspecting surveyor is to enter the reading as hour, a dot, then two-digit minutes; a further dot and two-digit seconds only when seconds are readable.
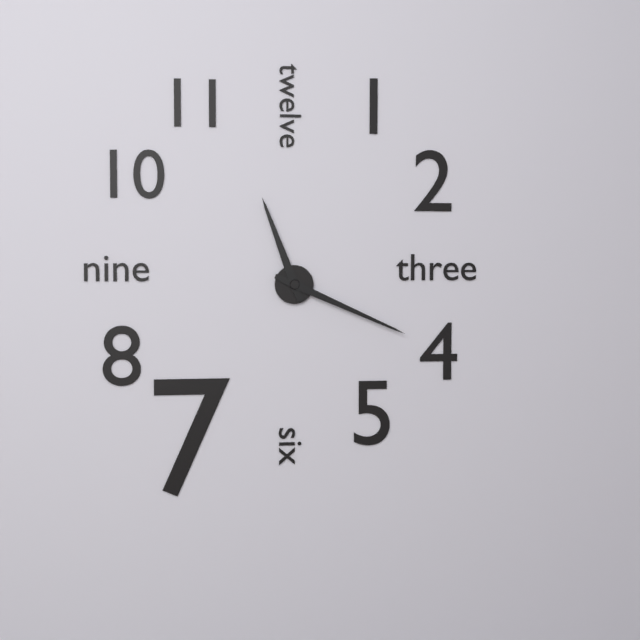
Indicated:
11.19
